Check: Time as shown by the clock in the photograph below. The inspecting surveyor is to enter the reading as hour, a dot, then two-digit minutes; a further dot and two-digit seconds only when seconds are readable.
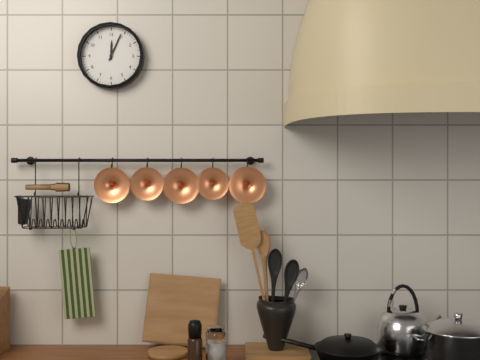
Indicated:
12.04
